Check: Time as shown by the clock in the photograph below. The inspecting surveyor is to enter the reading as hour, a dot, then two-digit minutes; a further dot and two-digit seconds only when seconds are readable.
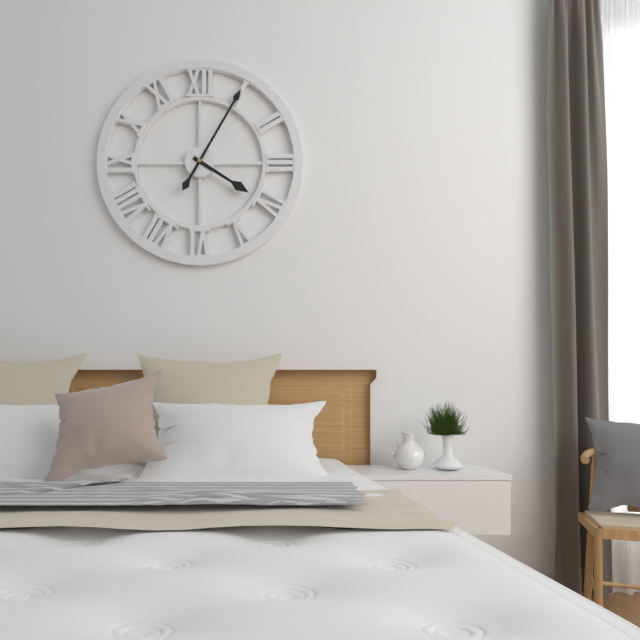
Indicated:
4.05
